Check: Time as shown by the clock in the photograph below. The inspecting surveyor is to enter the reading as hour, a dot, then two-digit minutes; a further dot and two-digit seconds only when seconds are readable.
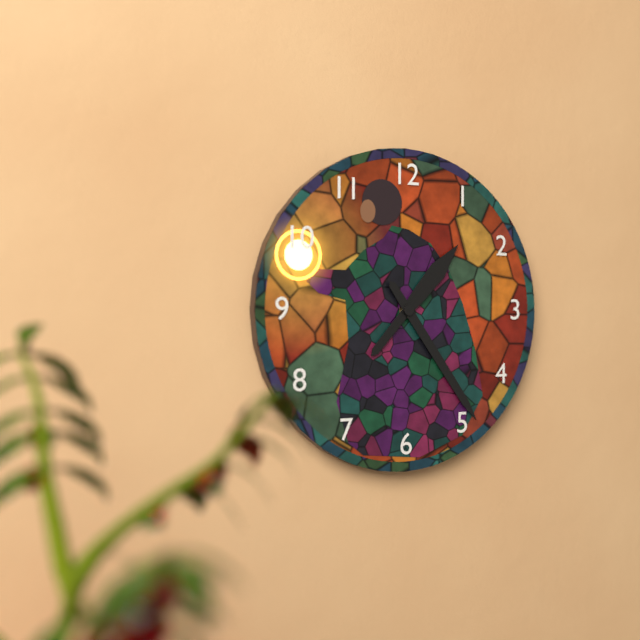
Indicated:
1.24
